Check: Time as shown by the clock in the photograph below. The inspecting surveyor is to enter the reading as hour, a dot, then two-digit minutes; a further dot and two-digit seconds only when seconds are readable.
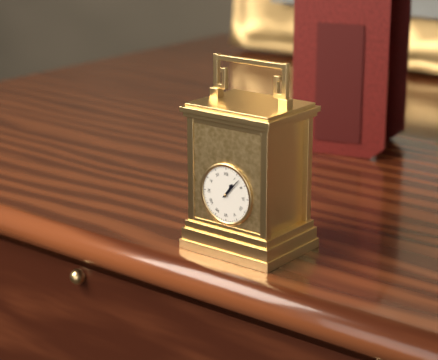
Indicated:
1.07
